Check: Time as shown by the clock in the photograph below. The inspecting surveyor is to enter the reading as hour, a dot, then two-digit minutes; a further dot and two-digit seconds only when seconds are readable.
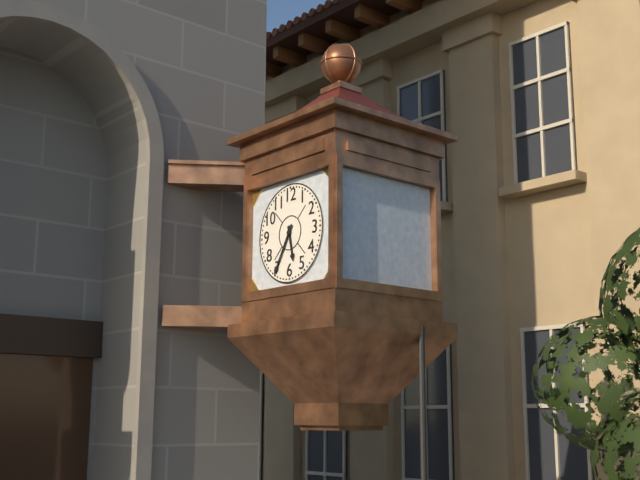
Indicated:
5.35
